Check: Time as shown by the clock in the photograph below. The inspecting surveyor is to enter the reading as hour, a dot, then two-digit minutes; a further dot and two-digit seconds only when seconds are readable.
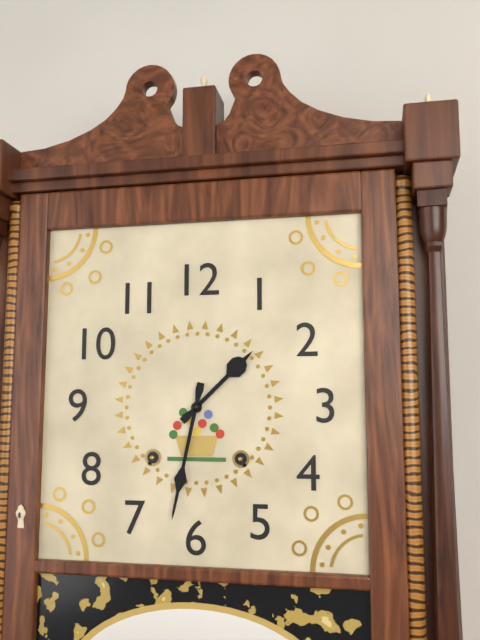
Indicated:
1.32
